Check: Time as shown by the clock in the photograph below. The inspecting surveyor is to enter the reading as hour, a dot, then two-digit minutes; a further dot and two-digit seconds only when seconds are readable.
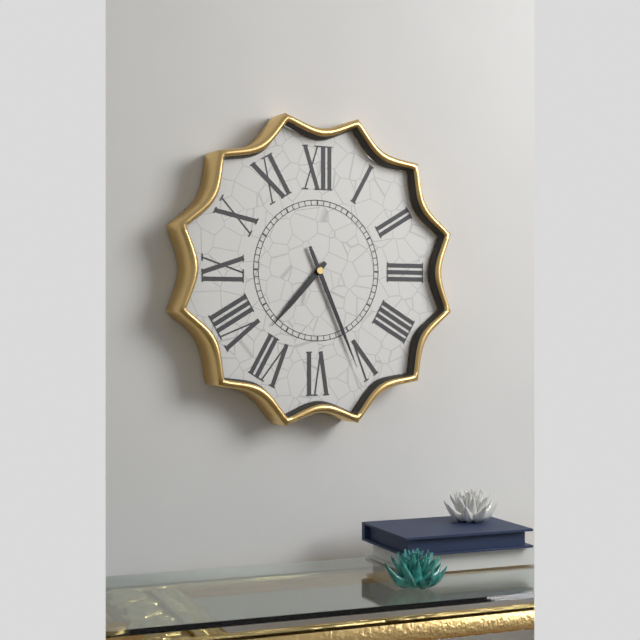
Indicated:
7.26
